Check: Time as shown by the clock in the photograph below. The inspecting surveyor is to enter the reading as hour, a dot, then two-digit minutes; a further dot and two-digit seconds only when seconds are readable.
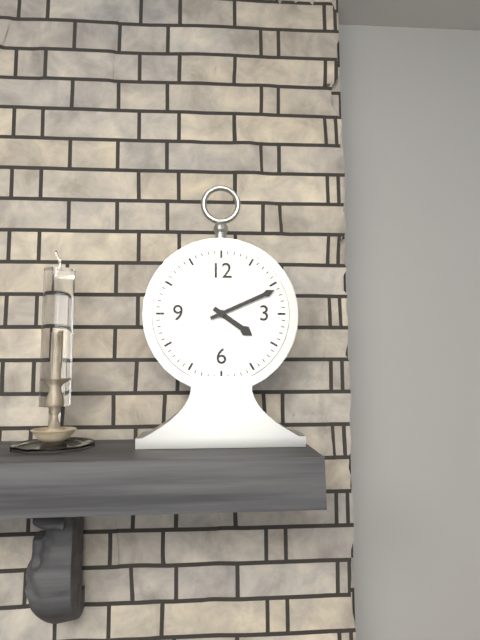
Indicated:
4.11
